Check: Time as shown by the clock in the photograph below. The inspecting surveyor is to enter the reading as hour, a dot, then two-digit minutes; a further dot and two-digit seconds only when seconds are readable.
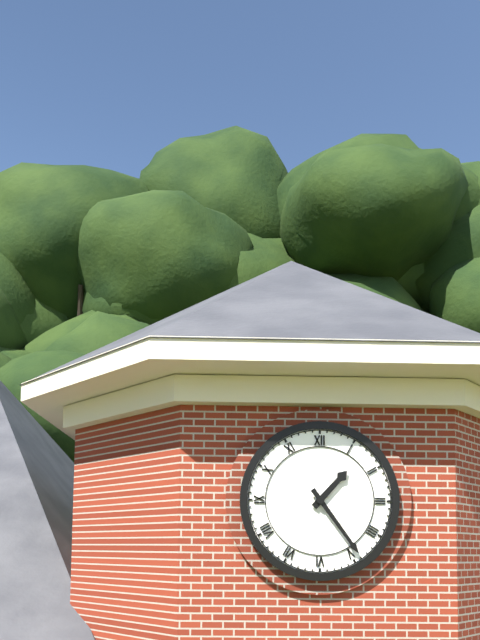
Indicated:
1.24
